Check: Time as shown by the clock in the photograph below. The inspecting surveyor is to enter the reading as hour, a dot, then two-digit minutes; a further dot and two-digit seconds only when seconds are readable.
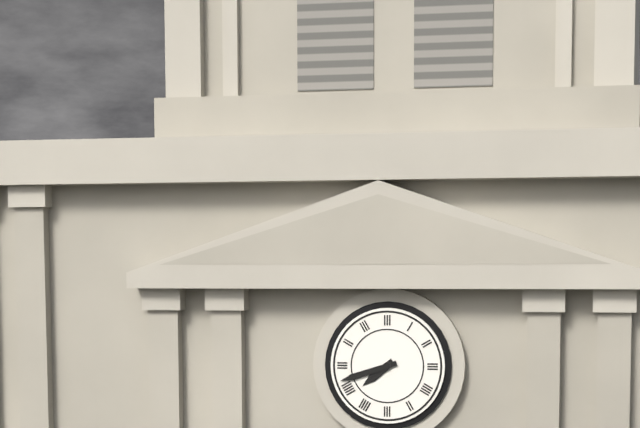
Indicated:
7.42
